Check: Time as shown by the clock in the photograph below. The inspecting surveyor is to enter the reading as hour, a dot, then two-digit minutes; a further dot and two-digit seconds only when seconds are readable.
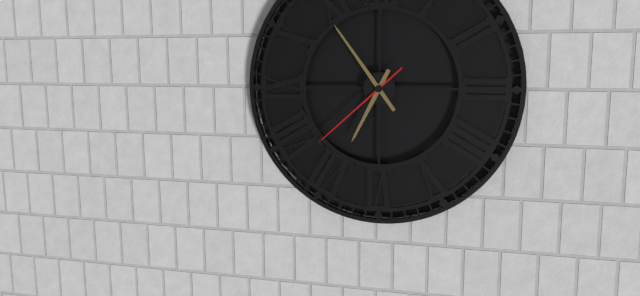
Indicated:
6.54.38
